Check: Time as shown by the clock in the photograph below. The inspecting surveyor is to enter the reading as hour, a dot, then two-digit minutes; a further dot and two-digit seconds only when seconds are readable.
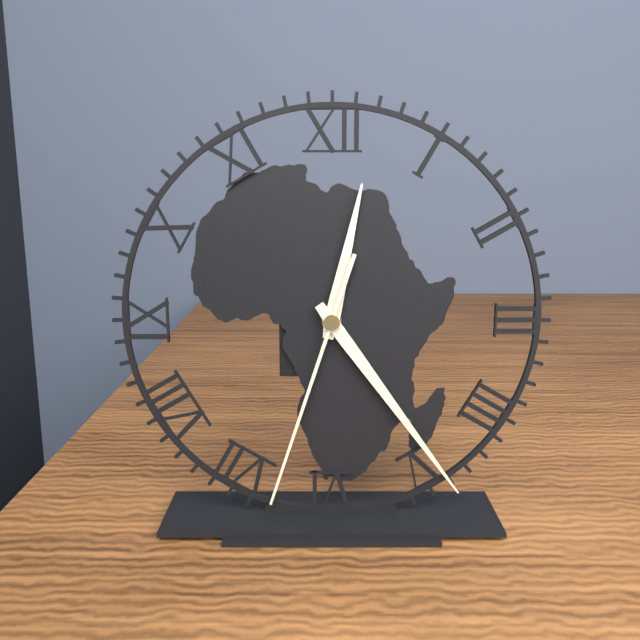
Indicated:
12.24.33
